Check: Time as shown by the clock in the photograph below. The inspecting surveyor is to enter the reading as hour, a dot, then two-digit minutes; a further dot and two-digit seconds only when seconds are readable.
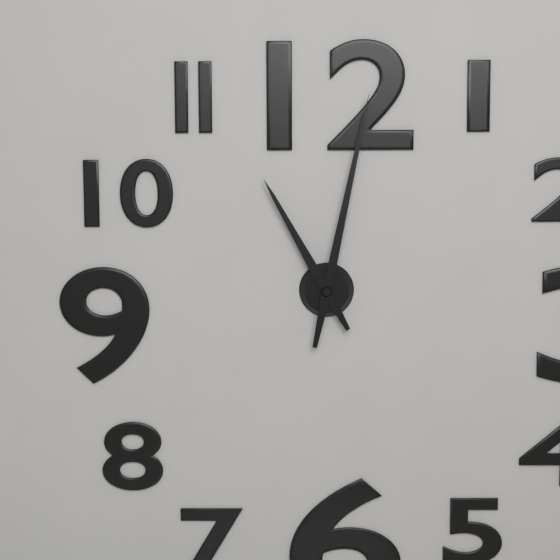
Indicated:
11.02
